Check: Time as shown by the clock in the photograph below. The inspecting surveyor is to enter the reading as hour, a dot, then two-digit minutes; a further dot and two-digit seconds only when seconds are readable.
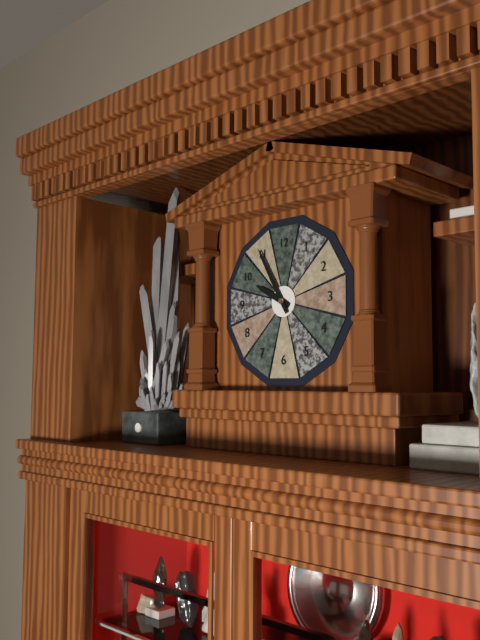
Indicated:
9.55
